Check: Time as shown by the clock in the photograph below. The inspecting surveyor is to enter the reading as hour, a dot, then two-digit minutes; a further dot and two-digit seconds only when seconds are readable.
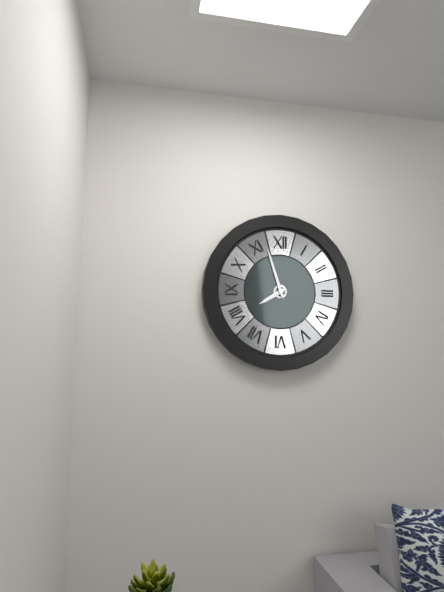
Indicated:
7.57
